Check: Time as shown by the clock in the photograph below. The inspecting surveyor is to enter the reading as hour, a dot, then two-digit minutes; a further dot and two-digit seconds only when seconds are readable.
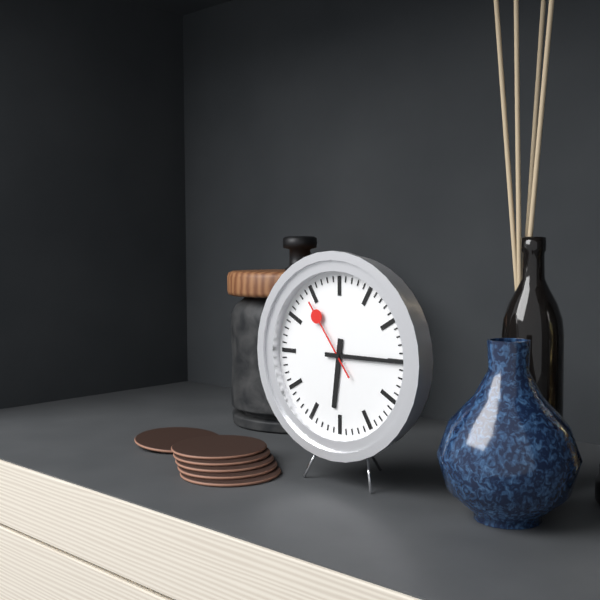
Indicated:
6.15.54
